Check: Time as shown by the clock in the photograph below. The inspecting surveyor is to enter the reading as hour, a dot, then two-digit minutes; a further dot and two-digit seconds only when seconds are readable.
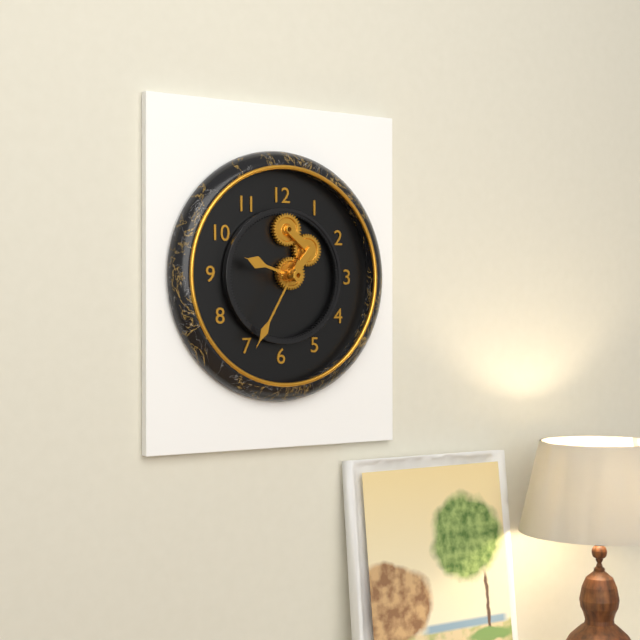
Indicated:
9.35
